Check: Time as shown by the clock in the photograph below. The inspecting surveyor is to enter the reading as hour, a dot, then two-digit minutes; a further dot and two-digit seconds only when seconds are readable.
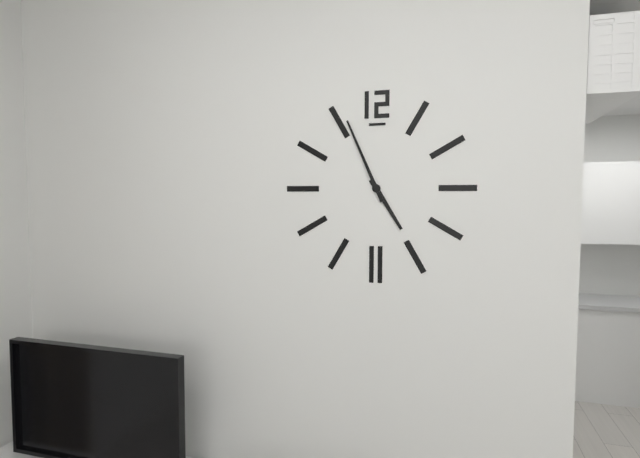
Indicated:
4.56
